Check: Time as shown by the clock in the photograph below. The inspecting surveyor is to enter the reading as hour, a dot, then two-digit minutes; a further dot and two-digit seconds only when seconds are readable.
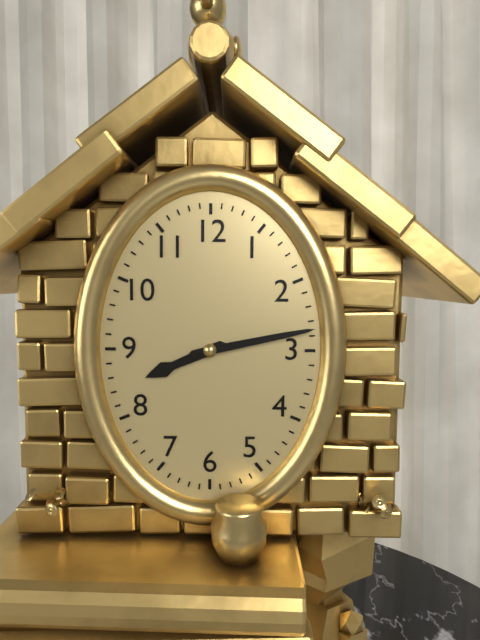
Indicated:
8.13
